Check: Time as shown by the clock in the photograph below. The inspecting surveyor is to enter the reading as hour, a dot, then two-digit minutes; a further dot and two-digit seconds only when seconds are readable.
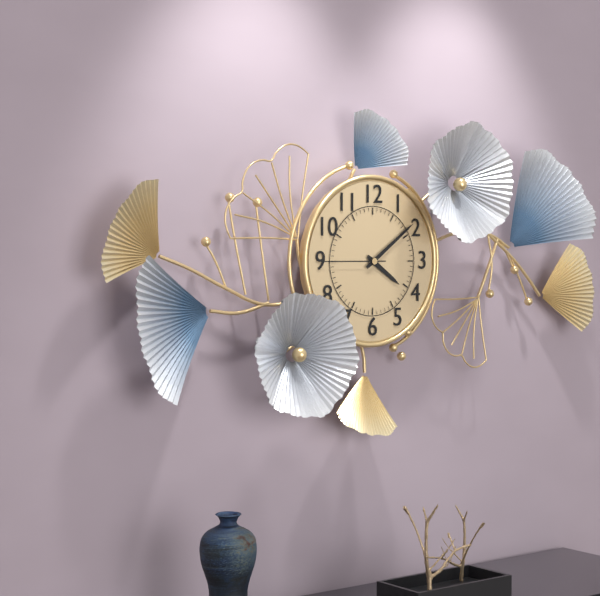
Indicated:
4.09.45
